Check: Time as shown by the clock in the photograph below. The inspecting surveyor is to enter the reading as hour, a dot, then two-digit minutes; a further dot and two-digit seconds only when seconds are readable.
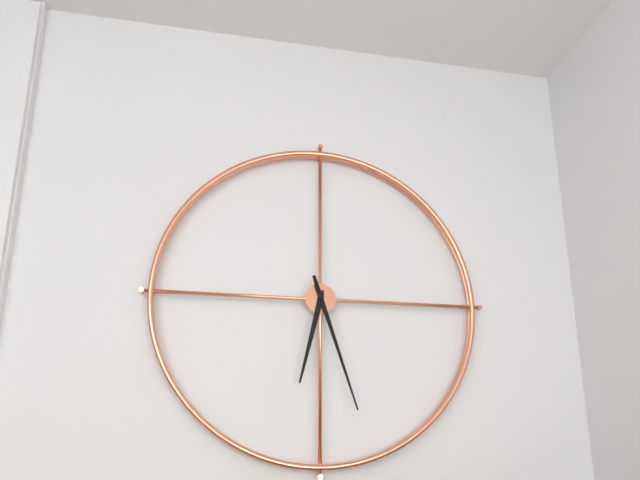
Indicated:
6.27
